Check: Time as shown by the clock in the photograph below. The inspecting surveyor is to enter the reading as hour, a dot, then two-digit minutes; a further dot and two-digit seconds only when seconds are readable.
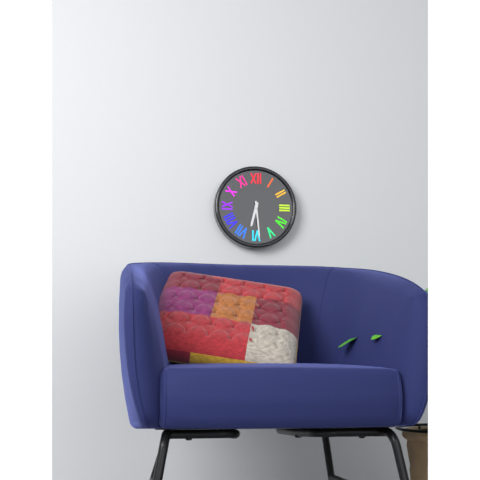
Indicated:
6.29
